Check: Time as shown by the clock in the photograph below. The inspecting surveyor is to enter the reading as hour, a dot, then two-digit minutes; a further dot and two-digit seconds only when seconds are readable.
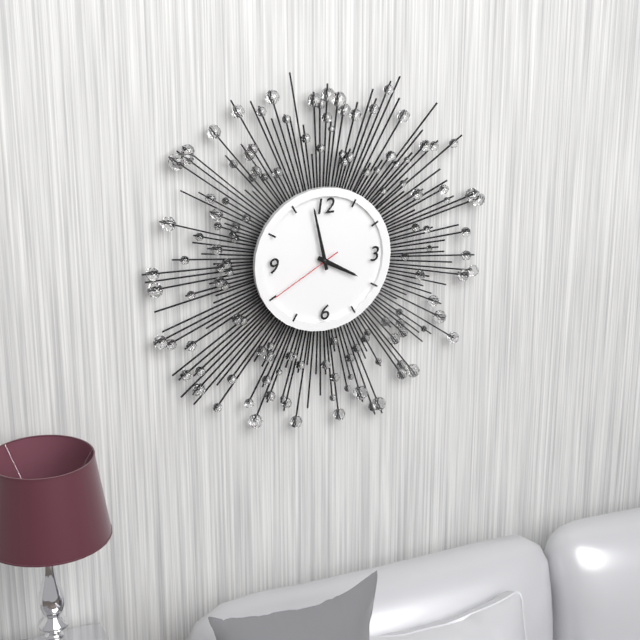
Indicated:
3.58.40
